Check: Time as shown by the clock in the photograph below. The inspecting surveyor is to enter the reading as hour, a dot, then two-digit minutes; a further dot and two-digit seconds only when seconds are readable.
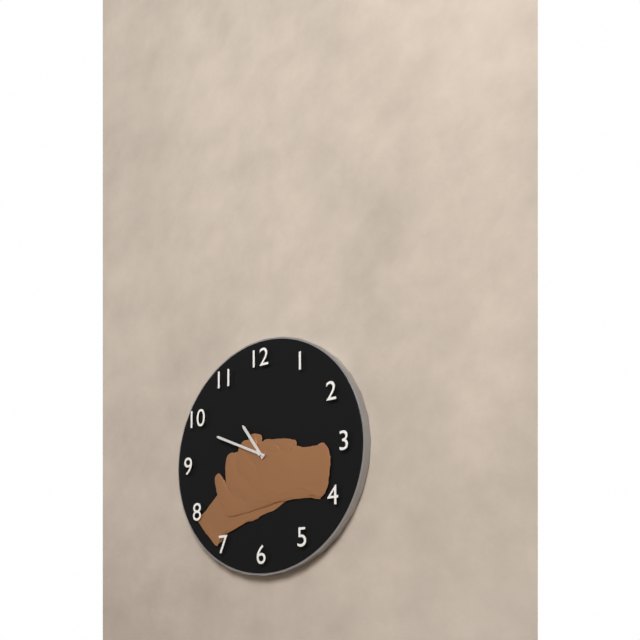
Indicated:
10.49
